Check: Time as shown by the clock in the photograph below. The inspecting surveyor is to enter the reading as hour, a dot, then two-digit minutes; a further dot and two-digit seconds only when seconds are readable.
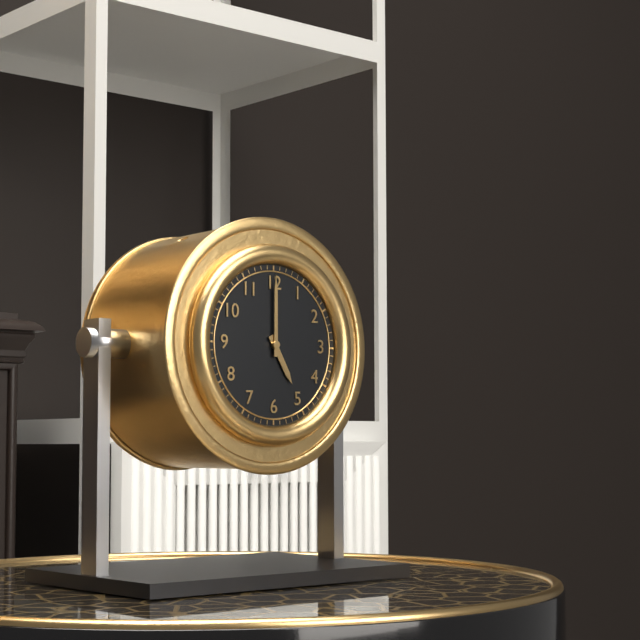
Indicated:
5.00
